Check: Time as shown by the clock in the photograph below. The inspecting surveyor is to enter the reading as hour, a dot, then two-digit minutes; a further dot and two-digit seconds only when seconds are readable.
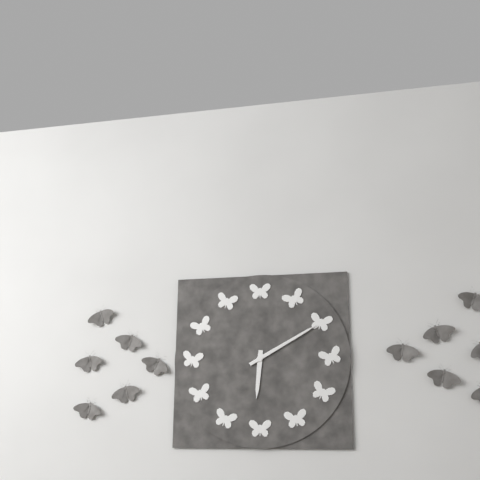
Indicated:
6.10
